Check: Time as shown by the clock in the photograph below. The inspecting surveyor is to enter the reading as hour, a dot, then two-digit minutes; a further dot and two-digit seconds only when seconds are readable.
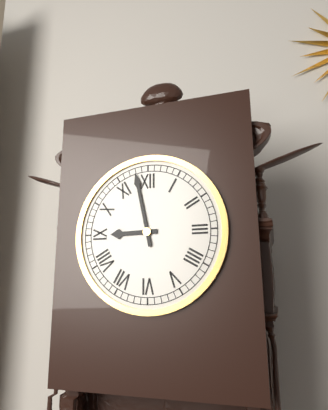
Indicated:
8.58
